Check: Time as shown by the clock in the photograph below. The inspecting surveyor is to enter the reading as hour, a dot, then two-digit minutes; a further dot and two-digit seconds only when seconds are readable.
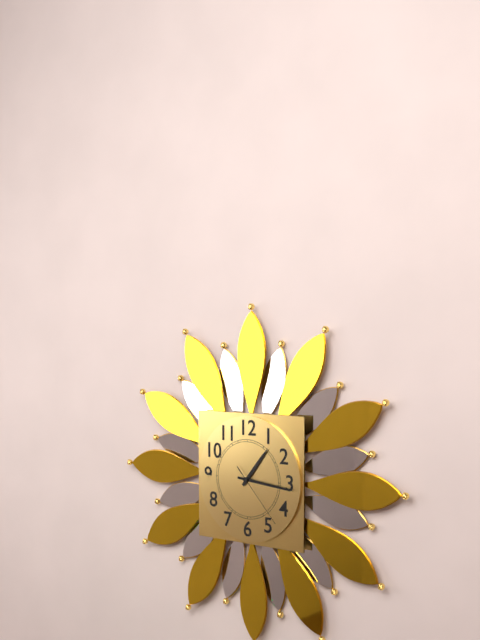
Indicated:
1.16.23
